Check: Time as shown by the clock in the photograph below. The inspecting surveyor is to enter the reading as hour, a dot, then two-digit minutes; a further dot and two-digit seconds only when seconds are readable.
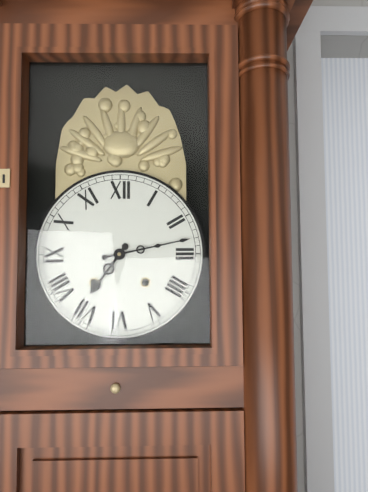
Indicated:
7.13
